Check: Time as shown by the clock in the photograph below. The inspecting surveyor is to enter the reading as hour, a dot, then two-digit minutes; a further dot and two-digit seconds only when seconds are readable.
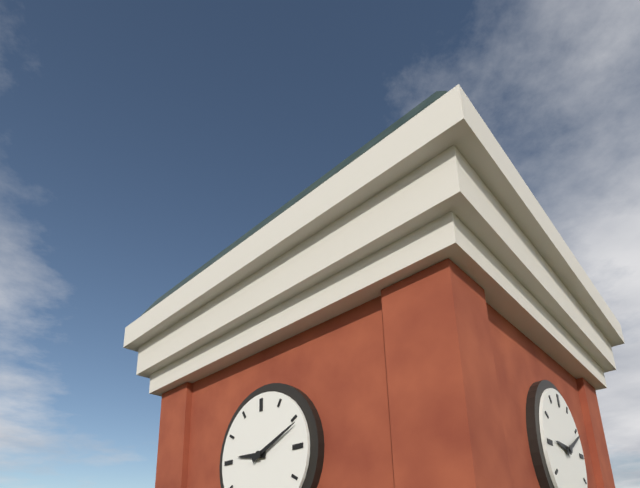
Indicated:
9.11
